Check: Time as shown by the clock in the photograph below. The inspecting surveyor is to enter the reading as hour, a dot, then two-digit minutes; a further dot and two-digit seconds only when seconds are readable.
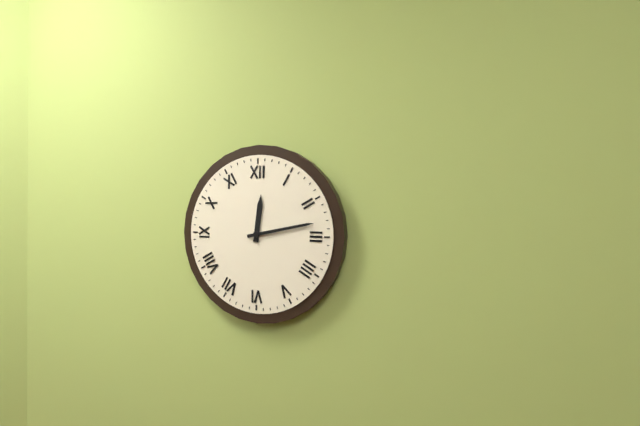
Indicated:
12.13
